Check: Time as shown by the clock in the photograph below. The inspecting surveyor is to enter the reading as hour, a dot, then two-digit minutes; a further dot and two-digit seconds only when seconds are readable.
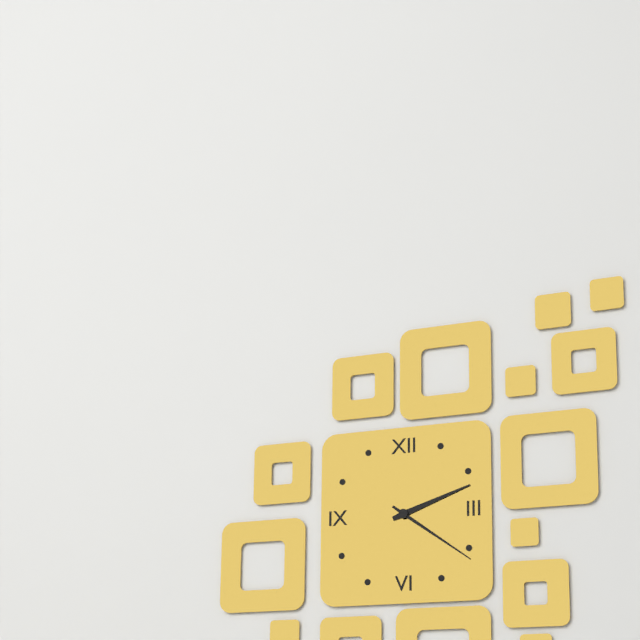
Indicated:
2.21
